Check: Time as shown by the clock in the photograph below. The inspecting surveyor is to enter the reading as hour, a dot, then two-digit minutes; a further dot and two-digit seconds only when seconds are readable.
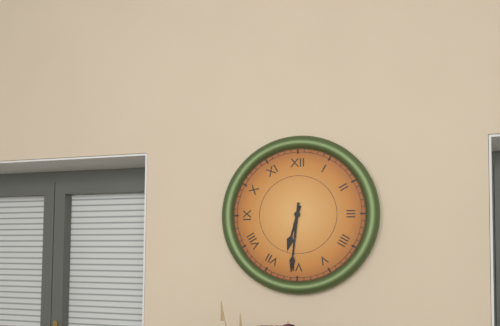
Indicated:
6.31
